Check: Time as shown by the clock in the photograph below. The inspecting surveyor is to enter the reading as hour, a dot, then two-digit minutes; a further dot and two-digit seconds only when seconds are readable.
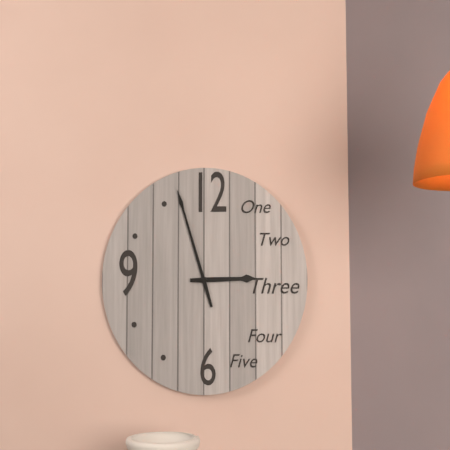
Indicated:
2.57
